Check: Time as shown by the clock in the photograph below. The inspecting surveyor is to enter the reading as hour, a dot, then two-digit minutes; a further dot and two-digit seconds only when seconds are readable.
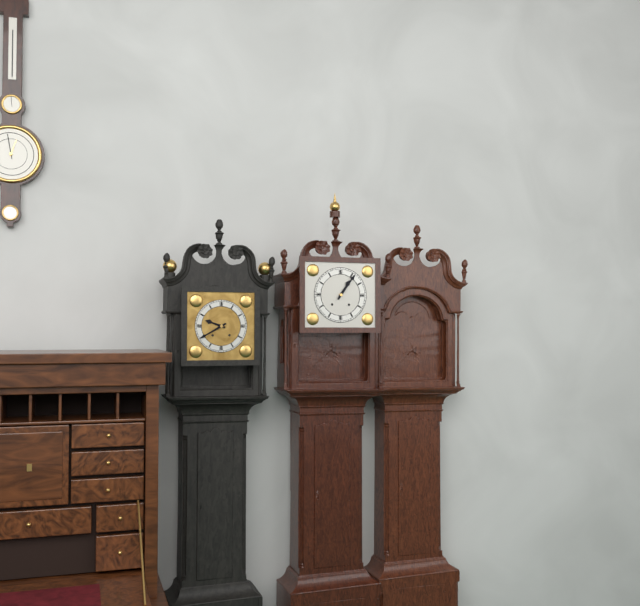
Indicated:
1.06
